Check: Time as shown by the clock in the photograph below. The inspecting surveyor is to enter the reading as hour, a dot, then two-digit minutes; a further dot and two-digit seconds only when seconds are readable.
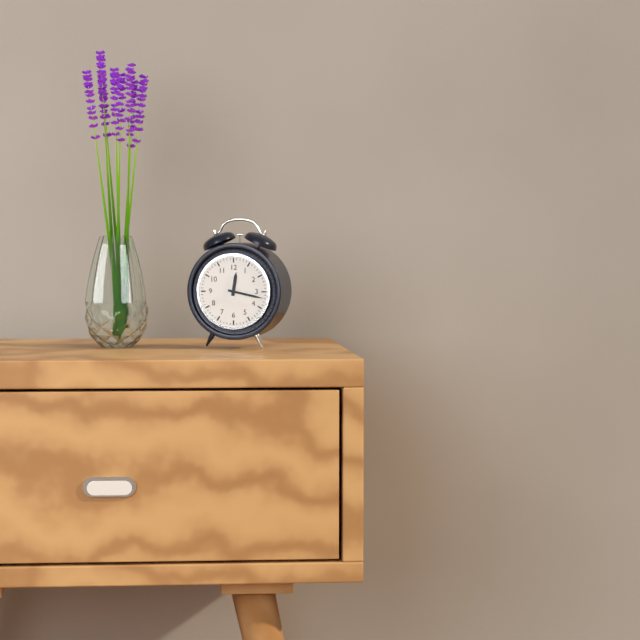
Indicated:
12.17
